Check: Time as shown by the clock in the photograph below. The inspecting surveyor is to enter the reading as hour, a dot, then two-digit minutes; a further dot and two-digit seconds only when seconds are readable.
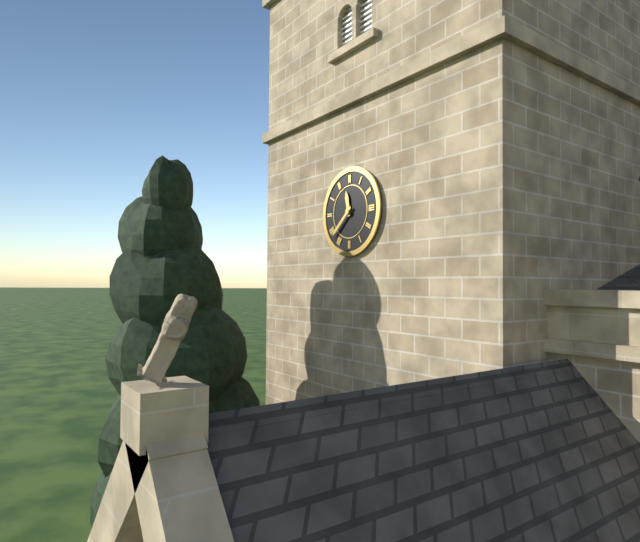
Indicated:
11.38
